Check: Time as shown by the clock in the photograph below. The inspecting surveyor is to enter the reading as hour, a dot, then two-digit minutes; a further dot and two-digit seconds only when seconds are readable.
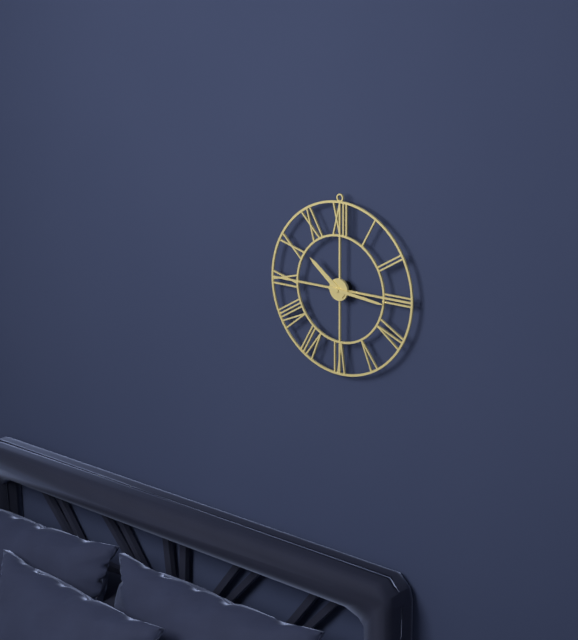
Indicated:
10.16
